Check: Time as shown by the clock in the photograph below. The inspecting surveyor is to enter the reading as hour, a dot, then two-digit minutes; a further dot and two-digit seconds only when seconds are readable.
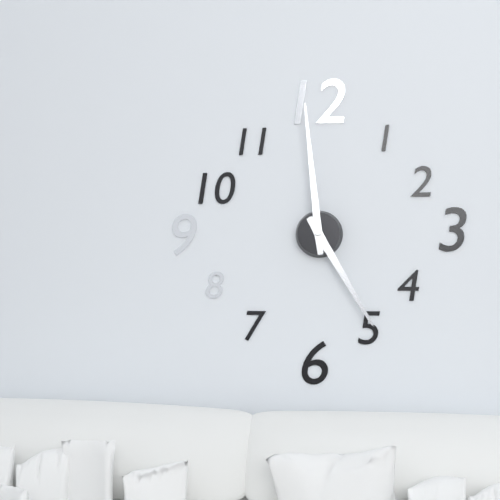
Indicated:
4.59
